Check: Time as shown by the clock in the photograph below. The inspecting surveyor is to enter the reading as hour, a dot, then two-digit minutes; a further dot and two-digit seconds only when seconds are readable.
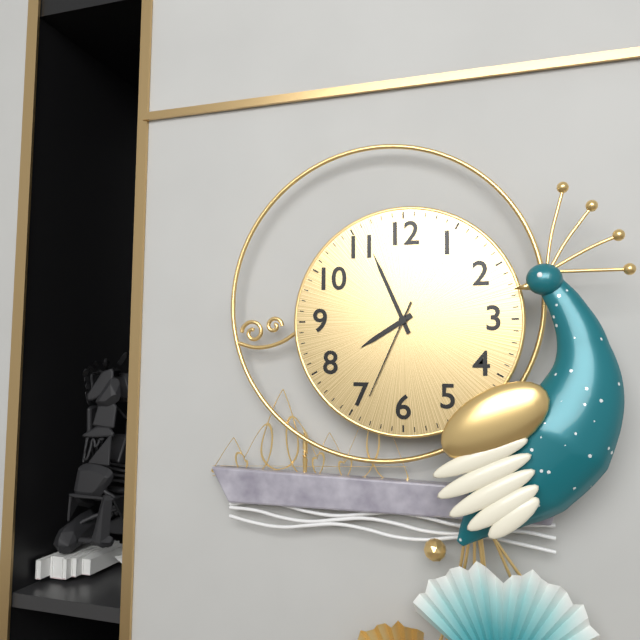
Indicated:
7.56.34
